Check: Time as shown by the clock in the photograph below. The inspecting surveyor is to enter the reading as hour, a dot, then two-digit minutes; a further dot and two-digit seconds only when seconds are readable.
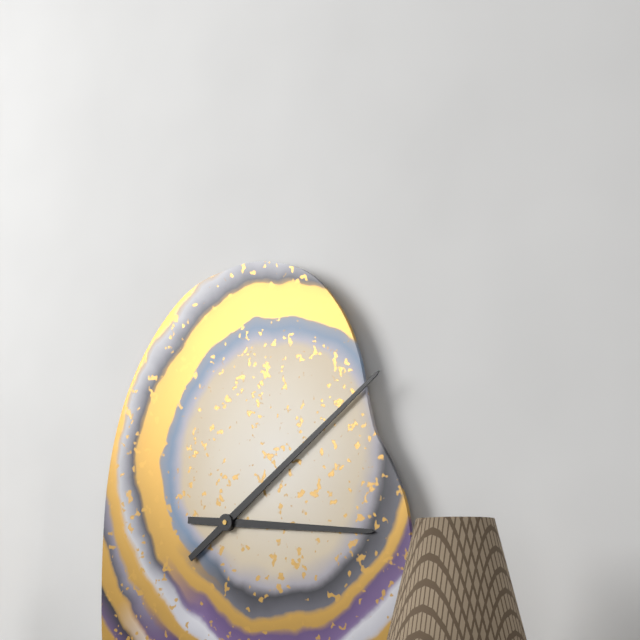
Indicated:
3.09
